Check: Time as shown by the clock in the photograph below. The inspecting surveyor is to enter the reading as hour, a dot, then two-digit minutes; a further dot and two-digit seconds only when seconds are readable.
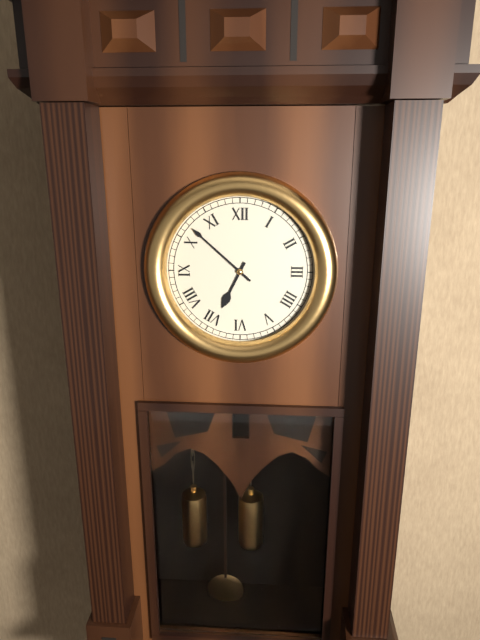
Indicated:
6.52
